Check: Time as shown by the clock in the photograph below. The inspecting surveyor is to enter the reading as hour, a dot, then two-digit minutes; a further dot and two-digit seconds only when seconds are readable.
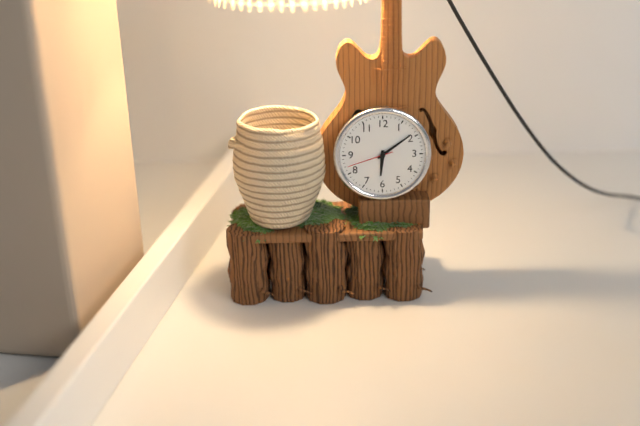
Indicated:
6.09
